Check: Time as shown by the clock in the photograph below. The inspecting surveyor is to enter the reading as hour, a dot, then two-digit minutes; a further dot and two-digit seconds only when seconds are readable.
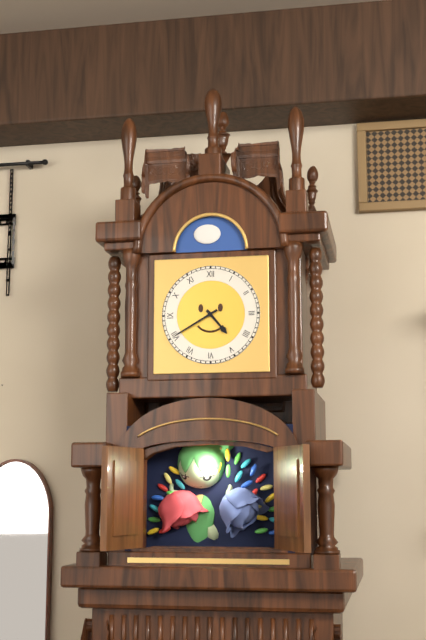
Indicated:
4.40
